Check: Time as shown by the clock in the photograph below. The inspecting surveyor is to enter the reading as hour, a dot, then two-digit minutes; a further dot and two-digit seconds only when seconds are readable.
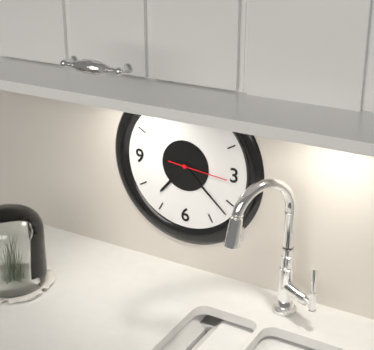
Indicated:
7.22.16
